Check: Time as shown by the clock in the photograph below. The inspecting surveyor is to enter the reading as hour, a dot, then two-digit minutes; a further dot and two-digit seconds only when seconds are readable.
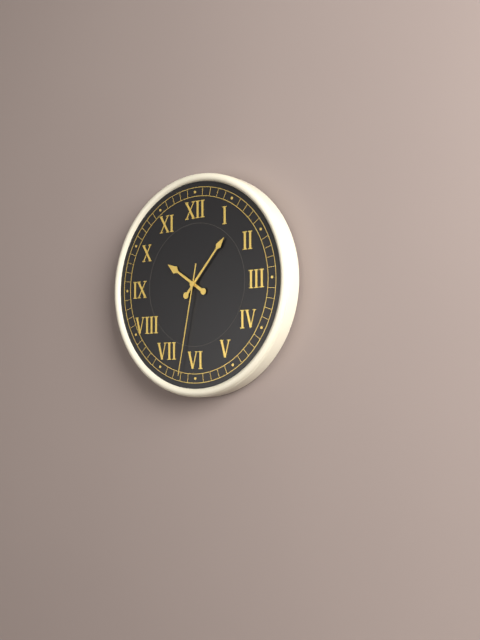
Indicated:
10.07.32
